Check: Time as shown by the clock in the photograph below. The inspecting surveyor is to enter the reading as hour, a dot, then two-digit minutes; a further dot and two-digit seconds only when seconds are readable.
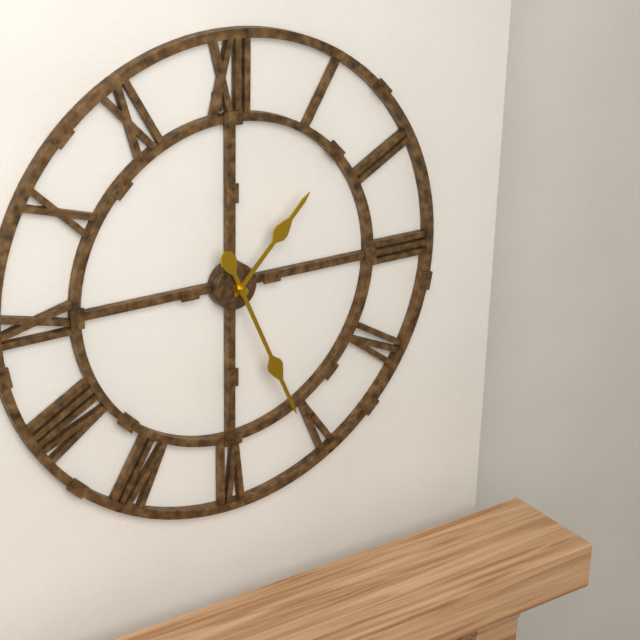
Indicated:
1.26
